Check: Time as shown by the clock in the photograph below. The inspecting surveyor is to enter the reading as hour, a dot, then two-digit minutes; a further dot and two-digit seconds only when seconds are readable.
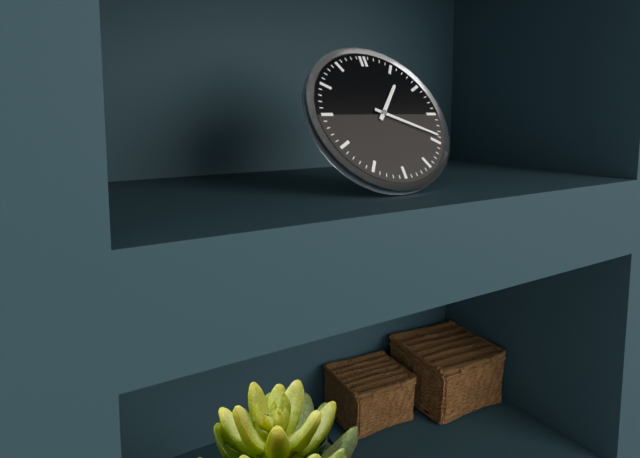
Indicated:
1.19
